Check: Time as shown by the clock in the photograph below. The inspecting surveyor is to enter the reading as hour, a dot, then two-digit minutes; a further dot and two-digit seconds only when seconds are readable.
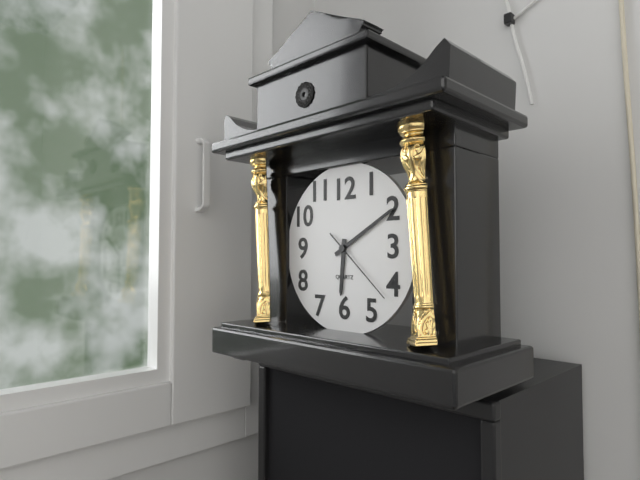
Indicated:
6.10.22
